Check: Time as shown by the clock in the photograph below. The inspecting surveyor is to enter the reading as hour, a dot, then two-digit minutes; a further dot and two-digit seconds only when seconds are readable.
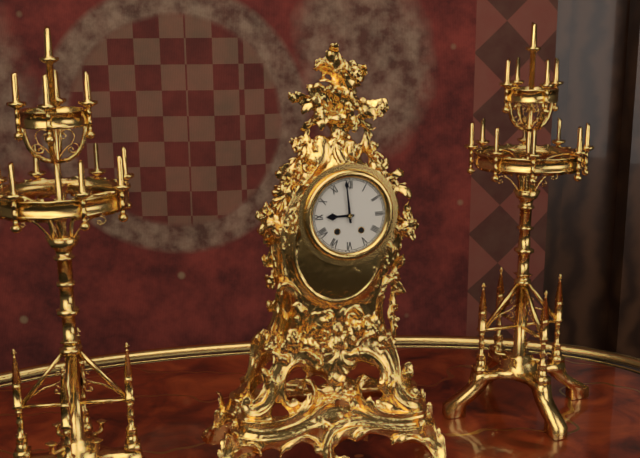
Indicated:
8.59
